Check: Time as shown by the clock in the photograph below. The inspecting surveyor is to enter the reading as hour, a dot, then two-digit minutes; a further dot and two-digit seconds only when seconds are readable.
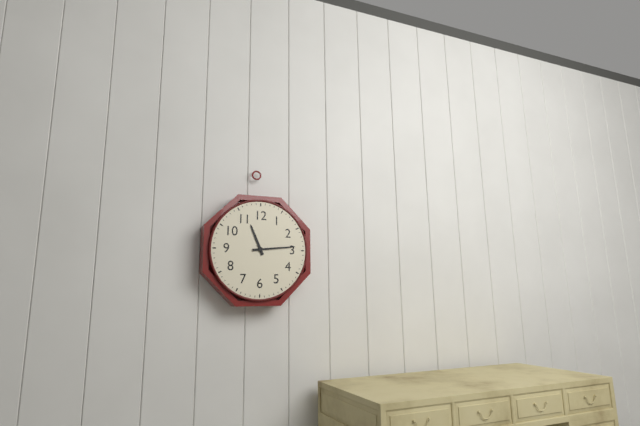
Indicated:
11.14
